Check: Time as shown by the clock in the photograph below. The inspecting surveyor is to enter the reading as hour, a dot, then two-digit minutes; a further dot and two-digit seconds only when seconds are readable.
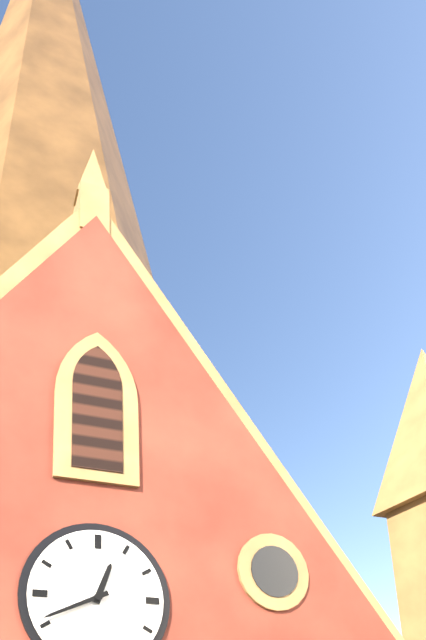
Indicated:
12.41
